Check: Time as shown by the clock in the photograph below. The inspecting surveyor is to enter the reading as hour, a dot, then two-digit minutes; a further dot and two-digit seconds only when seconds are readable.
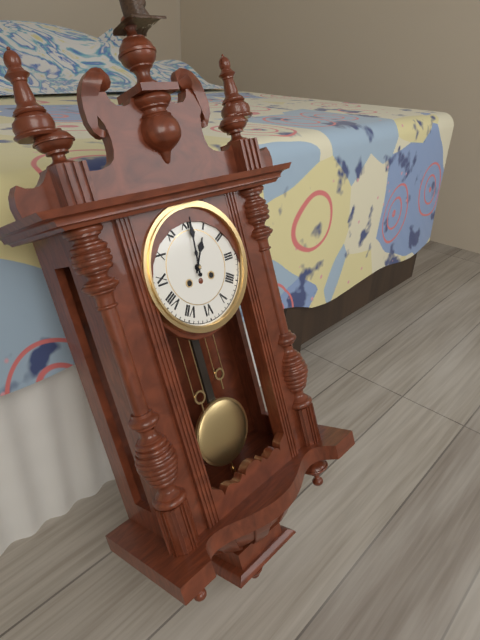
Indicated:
1.01
